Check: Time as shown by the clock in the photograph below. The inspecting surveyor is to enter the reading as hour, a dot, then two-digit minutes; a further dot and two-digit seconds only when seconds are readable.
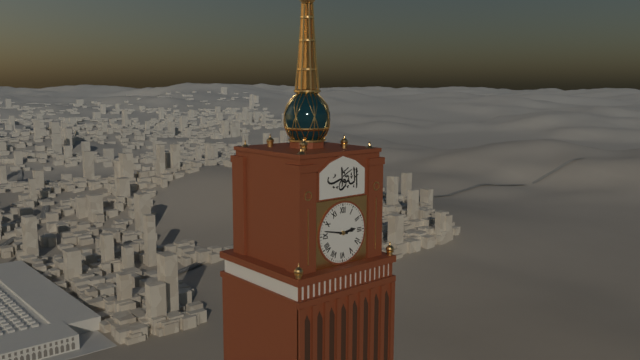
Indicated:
2.47
